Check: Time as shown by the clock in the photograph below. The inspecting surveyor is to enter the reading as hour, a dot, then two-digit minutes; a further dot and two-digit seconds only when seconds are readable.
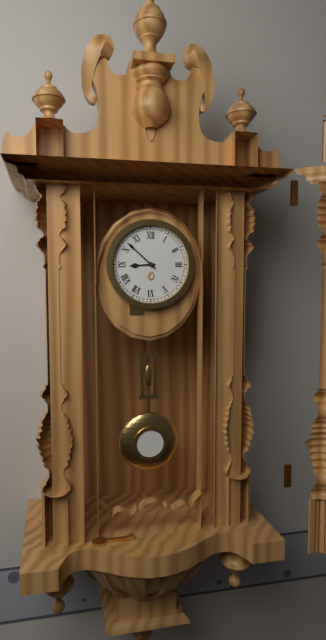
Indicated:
8.52
